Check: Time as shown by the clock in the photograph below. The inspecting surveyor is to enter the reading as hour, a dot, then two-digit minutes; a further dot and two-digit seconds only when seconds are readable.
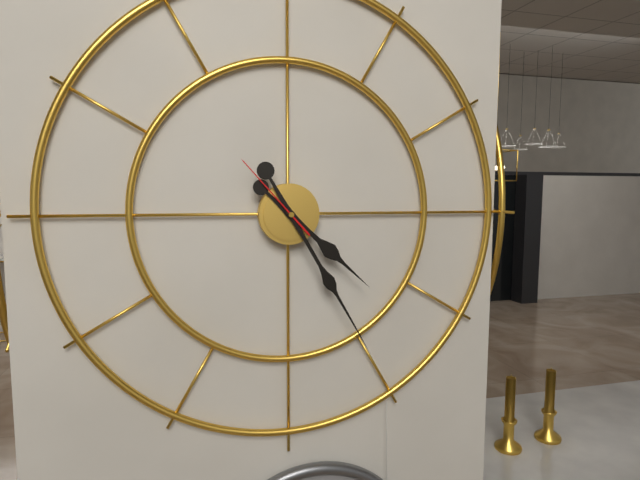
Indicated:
4.25.53
